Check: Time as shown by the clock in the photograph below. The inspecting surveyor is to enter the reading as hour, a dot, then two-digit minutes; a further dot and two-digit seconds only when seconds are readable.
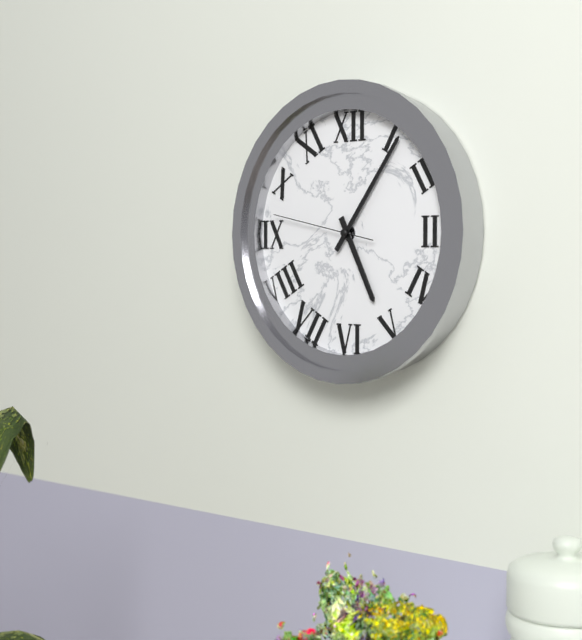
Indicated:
5.06.47
